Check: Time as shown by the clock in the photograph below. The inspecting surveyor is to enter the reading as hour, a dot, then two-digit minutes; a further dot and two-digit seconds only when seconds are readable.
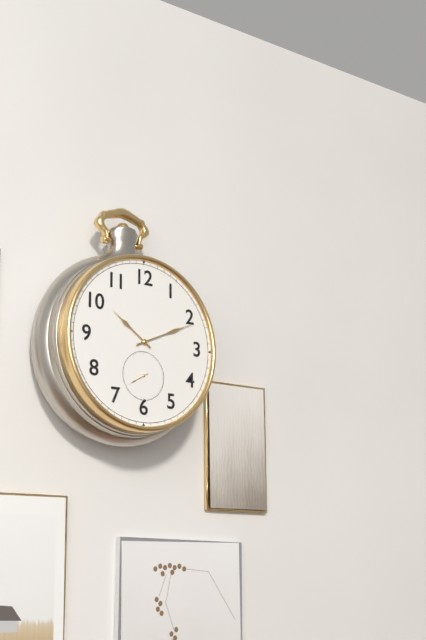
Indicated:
10.11
